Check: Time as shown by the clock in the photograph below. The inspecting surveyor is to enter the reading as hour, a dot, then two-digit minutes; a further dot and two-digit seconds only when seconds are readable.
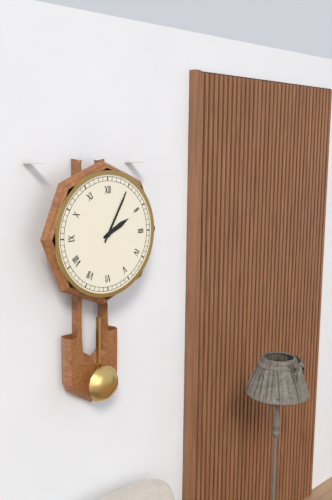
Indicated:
2.05
